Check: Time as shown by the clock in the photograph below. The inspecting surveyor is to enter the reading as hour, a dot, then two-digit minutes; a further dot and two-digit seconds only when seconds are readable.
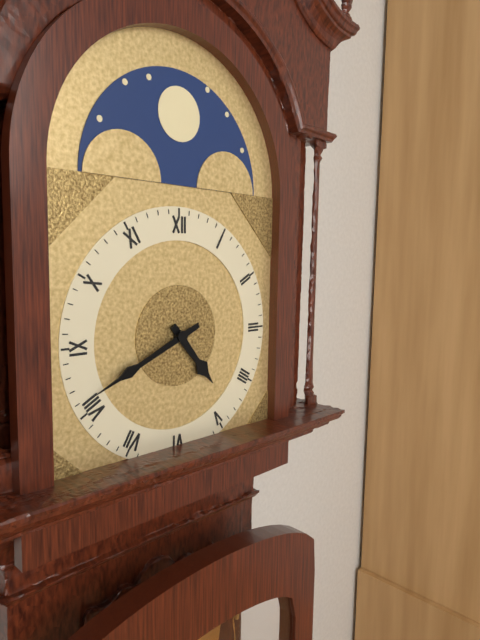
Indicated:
4.41
